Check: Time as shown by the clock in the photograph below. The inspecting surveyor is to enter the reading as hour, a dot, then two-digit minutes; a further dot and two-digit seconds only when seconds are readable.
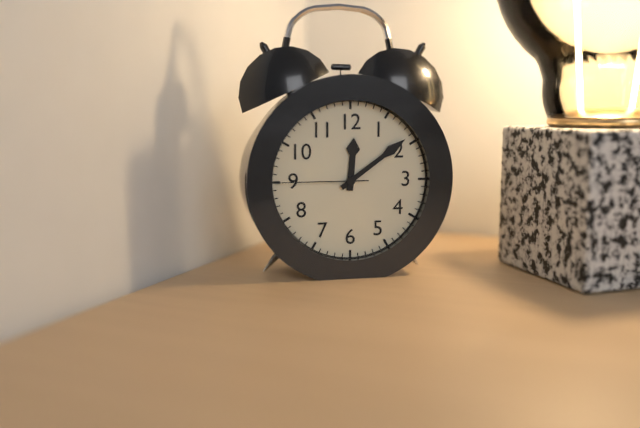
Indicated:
12.09.45
